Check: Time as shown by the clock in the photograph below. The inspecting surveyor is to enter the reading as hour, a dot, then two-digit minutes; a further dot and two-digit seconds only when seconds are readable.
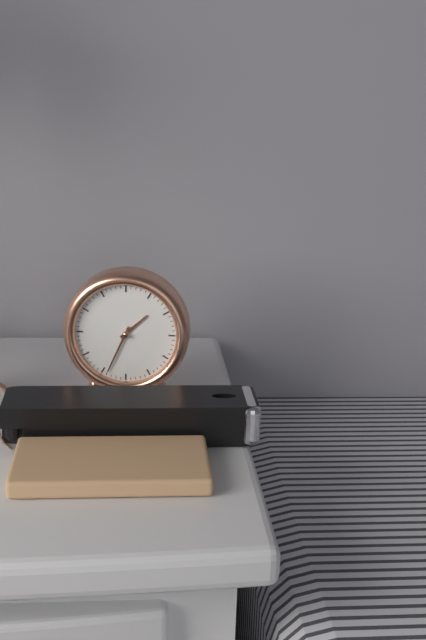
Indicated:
1.34
